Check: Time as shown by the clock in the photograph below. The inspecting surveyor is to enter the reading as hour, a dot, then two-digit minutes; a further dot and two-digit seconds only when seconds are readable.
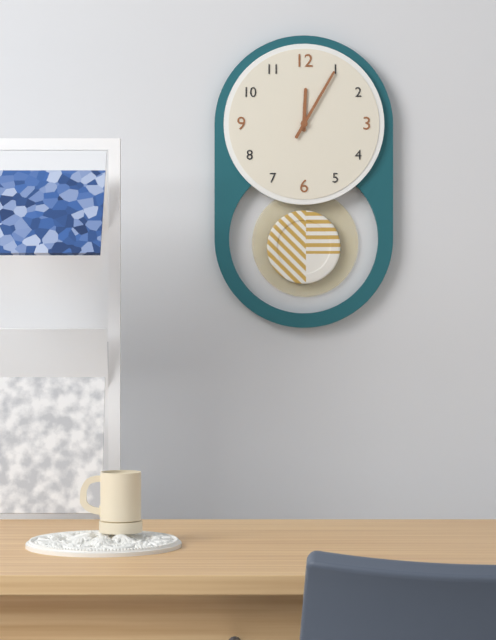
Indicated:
12.05
